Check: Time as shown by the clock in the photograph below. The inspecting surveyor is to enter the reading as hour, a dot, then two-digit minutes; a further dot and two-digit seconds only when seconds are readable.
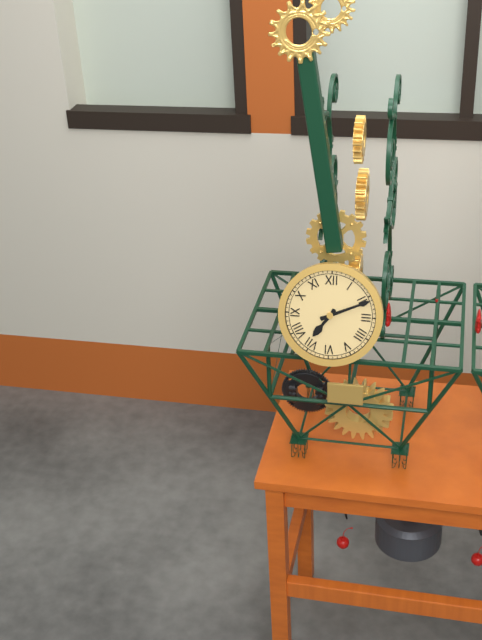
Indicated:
7.11
